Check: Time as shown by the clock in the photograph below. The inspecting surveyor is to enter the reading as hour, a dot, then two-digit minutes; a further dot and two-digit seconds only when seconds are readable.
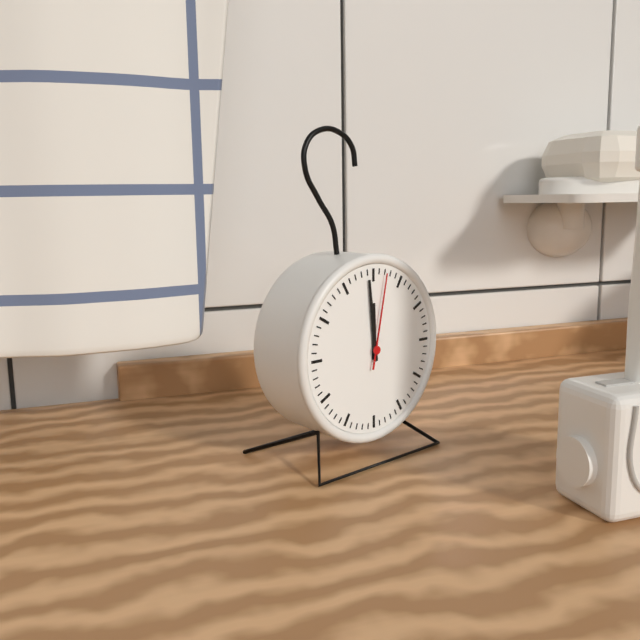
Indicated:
11.59.02
